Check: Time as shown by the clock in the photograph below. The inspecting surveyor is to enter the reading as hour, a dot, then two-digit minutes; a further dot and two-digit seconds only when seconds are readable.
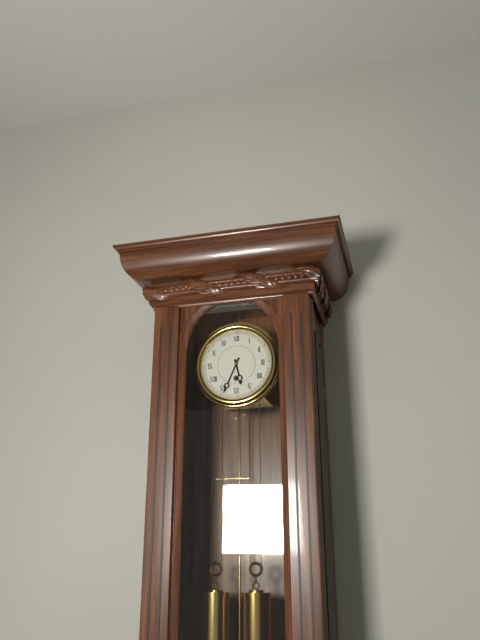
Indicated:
5.34
